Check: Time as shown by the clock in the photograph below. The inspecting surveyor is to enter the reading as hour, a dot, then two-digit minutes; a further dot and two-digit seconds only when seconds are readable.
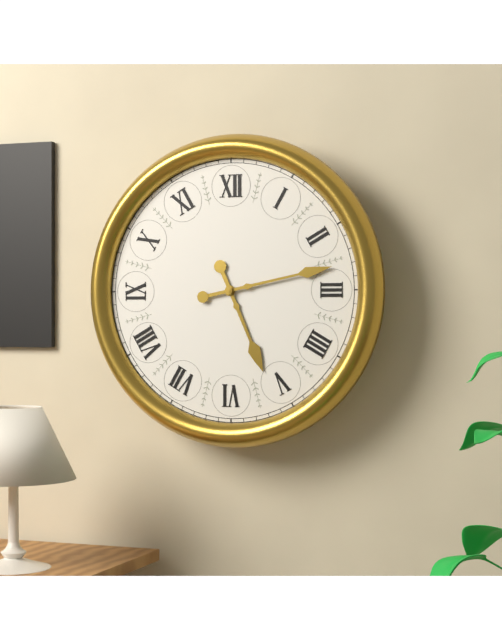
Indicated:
5.13
